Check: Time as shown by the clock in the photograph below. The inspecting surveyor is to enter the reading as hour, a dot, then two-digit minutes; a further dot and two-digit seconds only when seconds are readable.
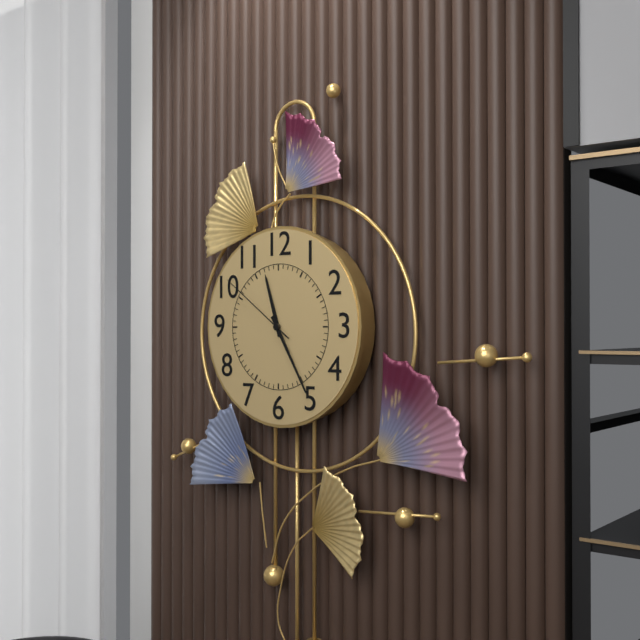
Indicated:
11.25.51
